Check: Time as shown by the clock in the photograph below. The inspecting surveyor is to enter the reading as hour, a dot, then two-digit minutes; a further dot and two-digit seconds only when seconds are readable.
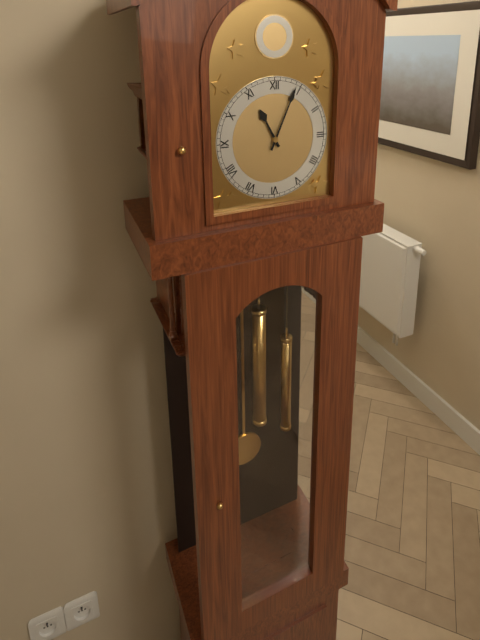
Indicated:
11.04
